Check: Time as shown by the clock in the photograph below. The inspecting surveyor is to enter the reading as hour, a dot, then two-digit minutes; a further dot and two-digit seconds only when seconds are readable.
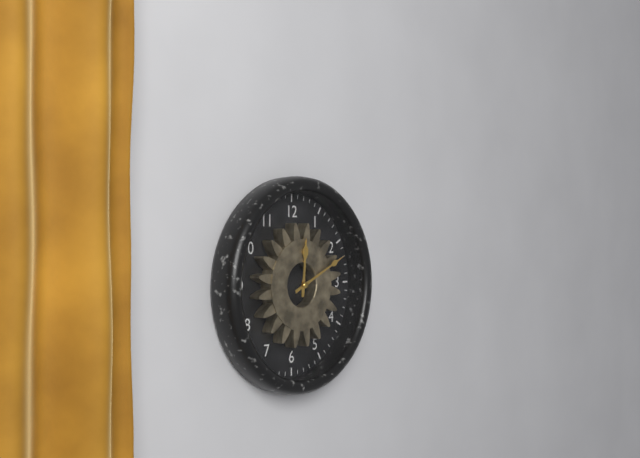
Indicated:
12.11
